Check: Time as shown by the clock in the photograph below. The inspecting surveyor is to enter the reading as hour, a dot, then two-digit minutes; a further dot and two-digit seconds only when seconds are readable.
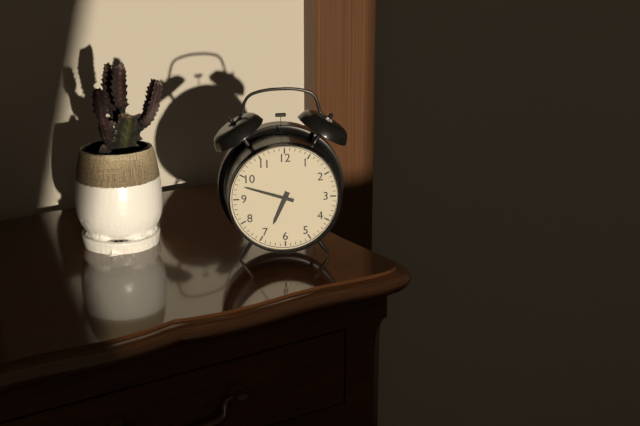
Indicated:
6.48
